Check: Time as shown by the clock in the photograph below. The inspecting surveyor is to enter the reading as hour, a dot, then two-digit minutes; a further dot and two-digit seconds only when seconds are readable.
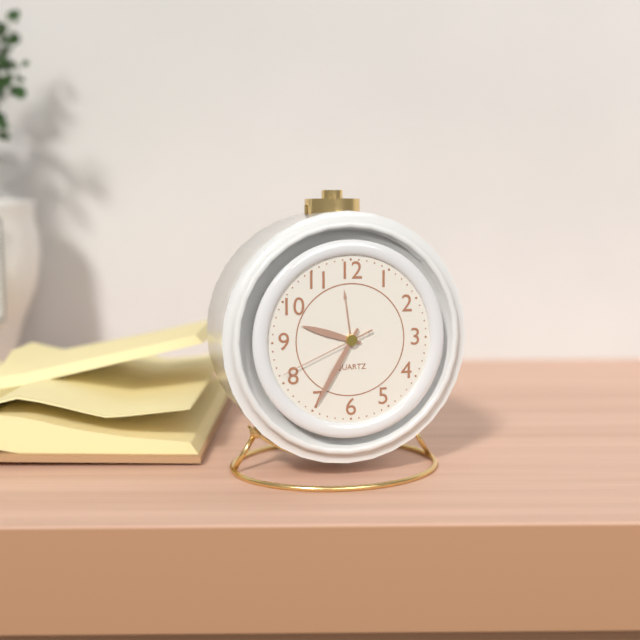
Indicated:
9.35.41
